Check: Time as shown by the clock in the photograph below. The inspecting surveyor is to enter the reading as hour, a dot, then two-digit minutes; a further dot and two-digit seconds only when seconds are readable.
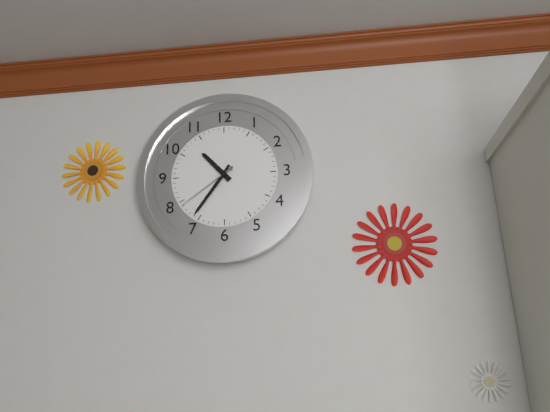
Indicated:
10.36.39
